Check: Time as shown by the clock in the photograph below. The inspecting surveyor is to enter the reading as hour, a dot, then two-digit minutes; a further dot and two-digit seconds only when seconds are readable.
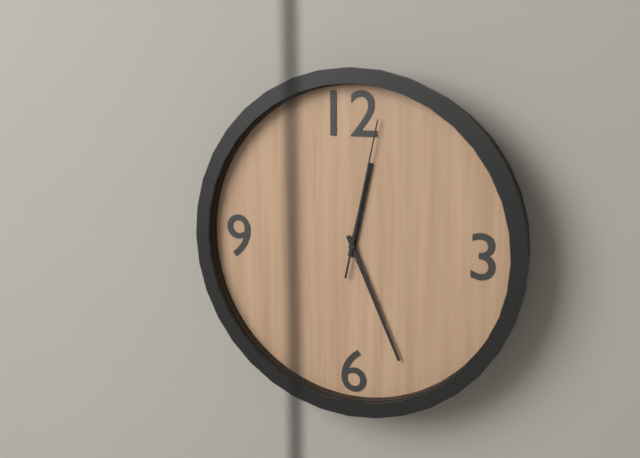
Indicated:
12.26.02
